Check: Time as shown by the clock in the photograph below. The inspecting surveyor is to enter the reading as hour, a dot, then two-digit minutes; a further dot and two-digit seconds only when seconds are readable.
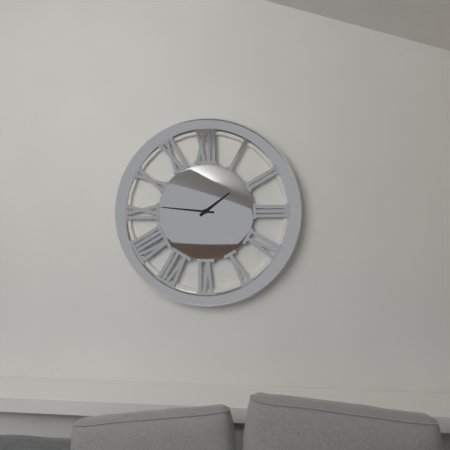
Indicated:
1.46
